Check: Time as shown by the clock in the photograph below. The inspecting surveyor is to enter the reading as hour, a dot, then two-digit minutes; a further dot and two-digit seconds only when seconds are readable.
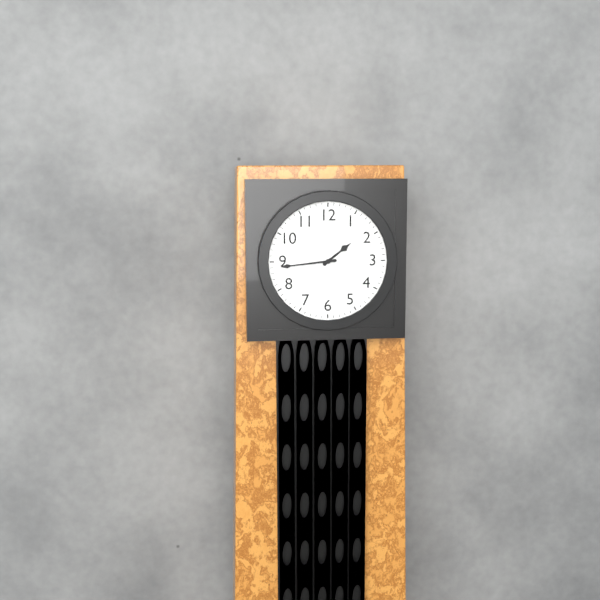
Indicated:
1.44
